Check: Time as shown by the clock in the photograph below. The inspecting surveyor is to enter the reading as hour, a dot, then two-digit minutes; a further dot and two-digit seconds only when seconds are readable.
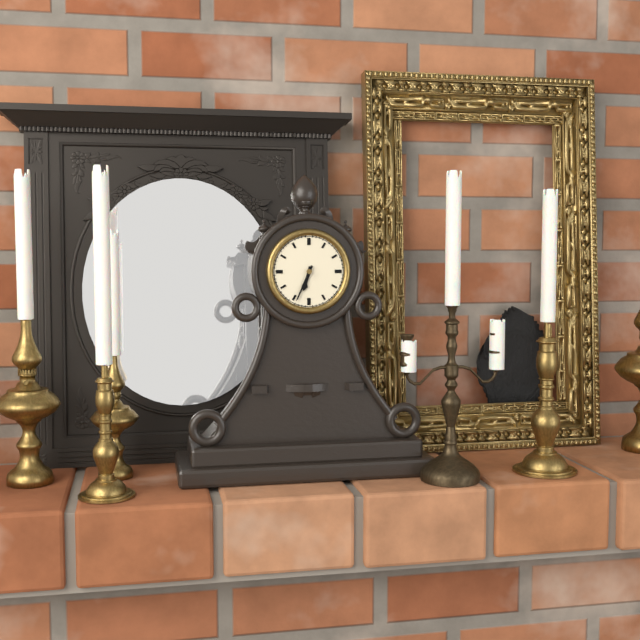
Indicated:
6.34
